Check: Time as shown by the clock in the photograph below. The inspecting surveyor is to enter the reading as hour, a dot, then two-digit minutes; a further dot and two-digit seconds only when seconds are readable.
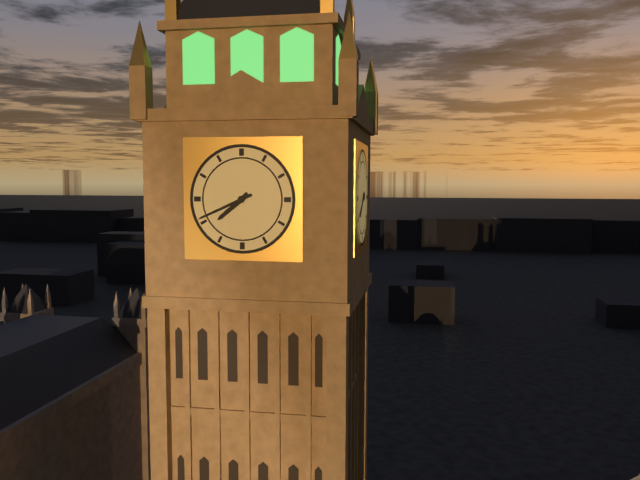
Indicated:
7.41
